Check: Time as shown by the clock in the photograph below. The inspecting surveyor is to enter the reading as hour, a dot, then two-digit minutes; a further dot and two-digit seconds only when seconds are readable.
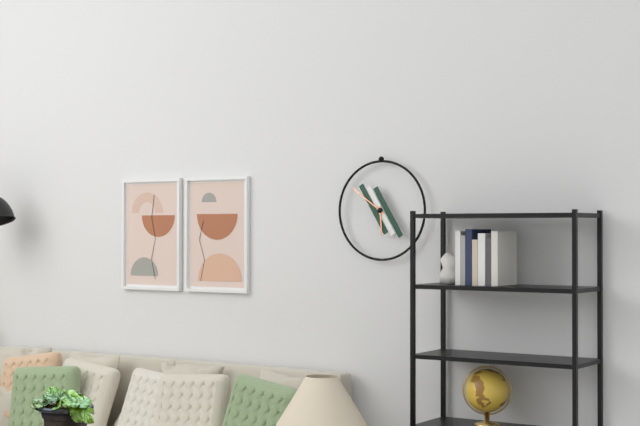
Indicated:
5.51
